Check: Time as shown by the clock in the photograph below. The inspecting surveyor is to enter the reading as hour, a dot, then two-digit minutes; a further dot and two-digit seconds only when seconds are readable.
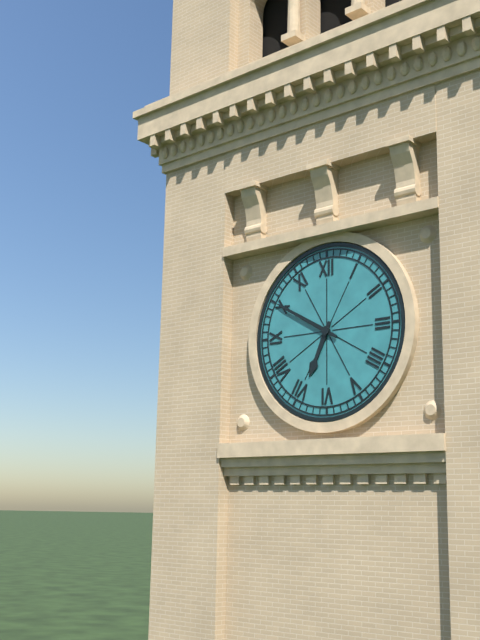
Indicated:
6.50
